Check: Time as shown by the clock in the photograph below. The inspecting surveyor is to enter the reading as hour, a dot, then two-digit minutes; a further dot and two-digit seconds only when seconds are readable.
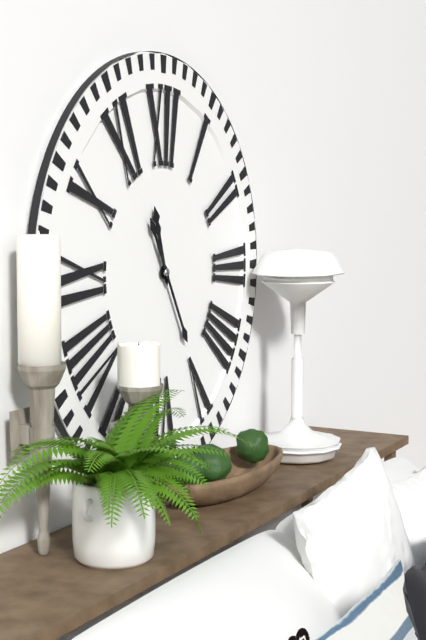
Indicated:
11.25
